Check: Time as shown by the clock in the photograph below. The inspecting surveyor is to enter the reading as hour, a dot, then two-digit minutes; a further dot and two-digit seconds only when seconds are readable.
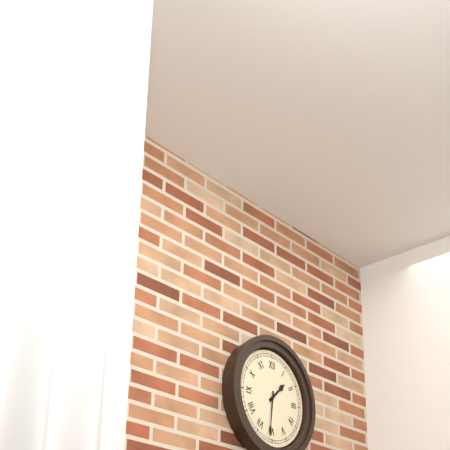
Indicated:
1.31
